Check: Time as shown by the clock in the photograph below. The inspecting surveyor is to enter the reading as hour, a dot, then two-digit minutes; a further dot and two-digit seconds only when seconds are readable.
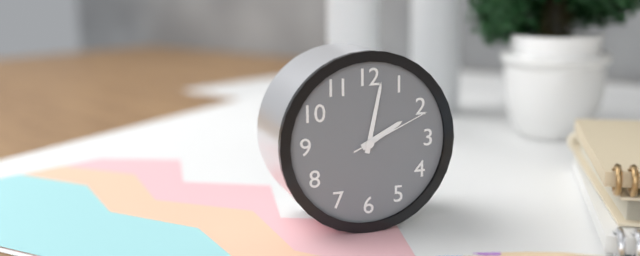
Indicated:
2.02.11
